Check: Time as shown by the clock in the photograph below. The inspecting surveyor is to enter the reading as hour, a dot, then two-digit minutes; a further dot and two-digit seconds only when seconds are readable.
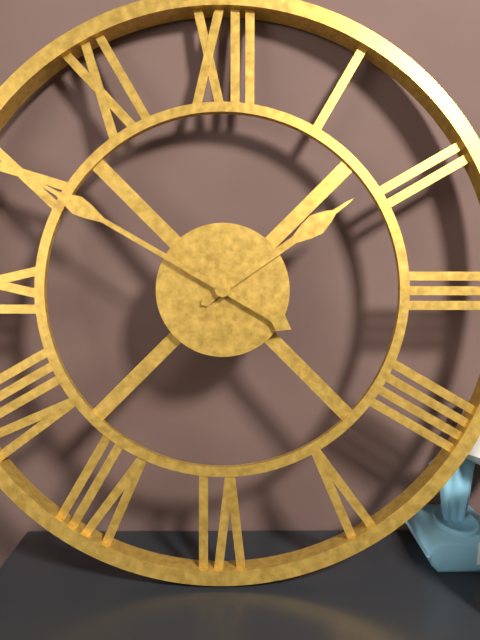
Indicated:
1.50
